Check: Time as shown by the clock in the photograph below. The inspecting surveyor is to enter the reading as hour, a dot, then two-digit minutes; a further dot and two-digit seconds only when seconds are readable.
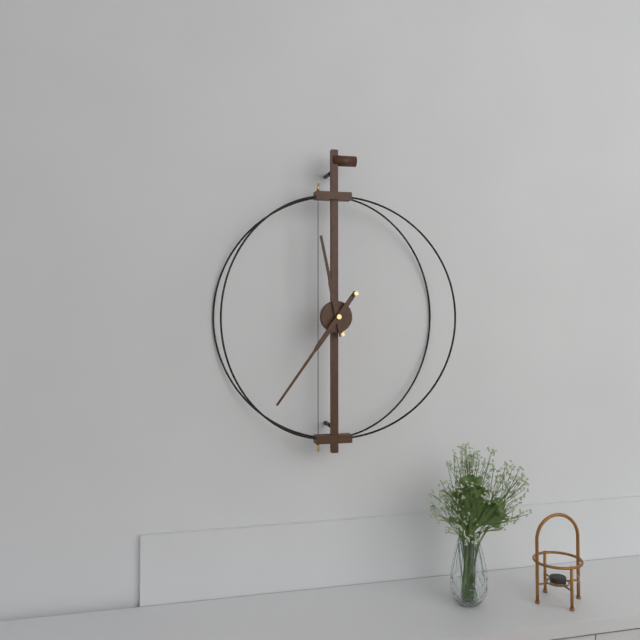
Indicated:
11.36
